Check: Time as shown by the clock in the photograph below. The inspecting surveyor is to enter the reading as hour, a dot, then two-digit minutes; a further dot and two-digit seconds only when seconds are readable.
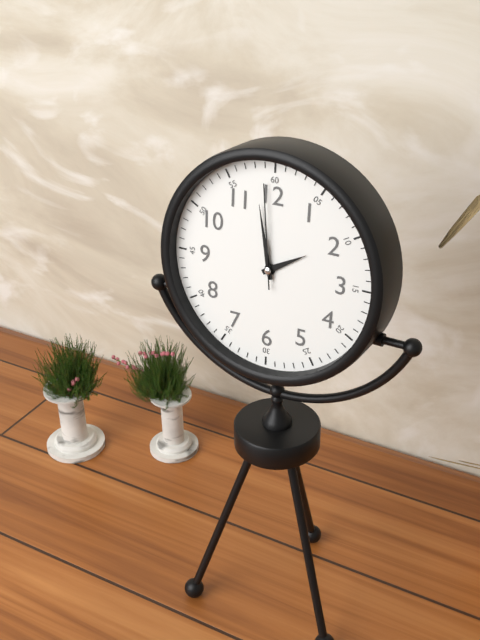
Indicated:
1.58.59
